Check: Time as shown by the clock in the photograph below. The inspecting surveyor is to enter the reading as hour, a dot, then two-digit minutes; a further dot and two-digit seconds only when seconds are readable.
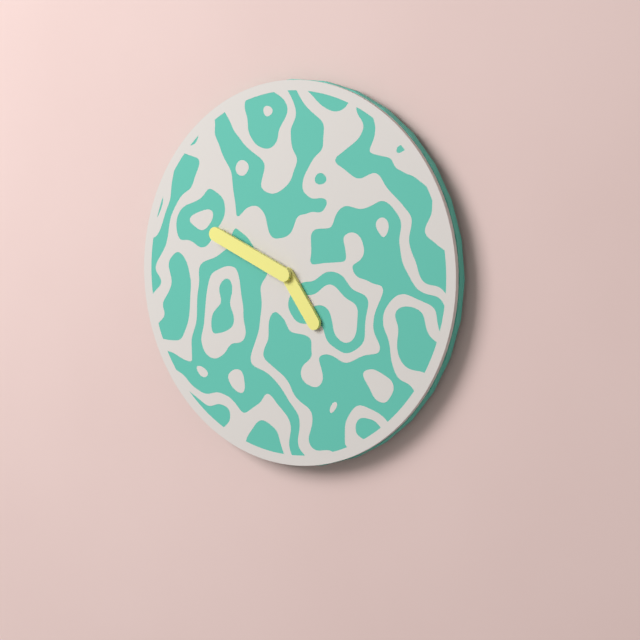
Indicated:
4.49
